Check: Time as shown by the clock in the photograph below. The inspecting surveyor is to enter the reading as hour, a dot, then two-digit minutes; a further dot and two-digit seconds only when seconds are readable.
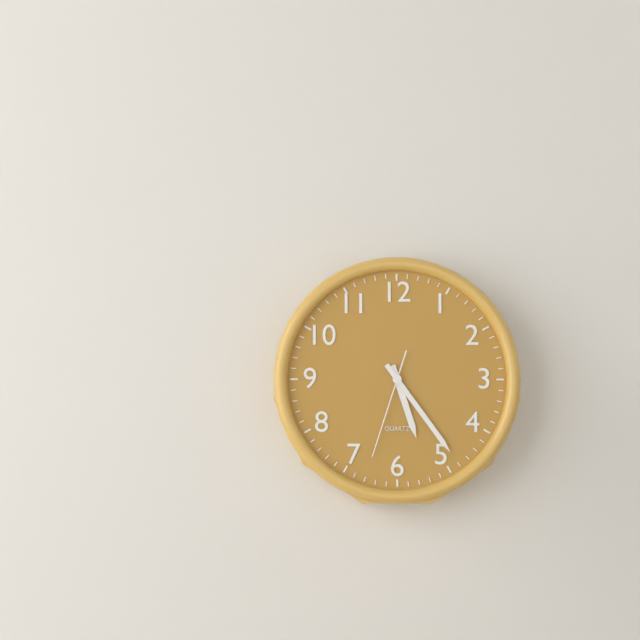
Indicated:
5.24.33
